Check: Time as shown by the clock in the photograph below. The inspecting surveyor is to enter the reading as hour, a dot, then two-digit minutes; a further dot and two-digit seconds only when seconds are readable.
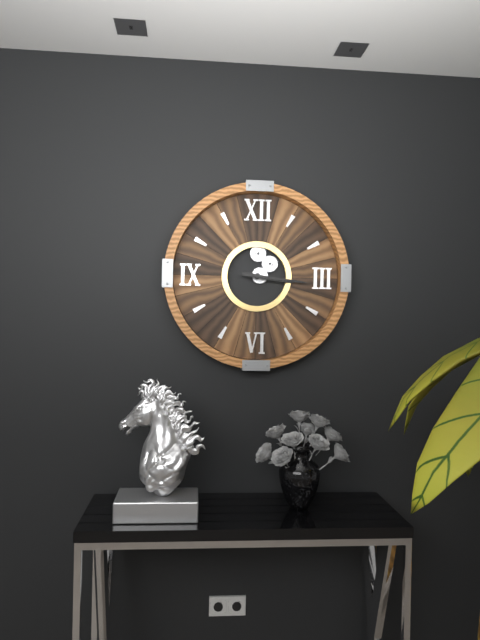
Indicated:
3.16
